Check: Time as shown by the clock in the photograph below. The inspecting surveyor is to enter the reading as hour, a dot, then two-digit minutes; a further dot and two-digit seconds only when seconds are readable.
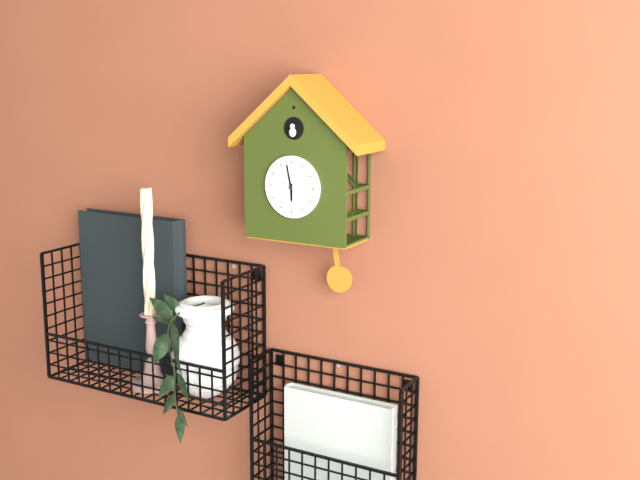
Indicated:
5.58
